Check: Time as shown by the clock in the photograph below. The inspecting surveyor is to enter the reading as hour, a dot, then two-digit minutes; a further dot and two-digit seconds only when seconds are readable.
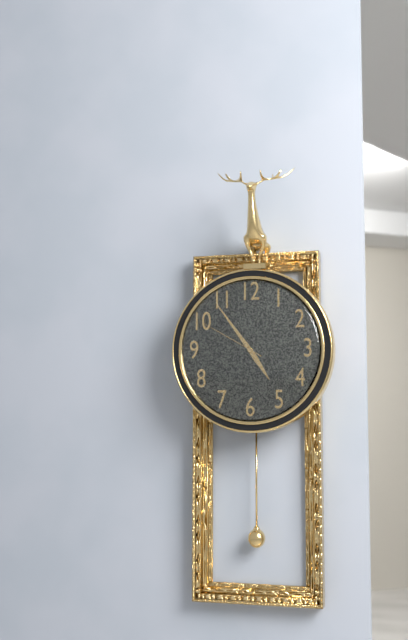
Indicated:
4.54.50
